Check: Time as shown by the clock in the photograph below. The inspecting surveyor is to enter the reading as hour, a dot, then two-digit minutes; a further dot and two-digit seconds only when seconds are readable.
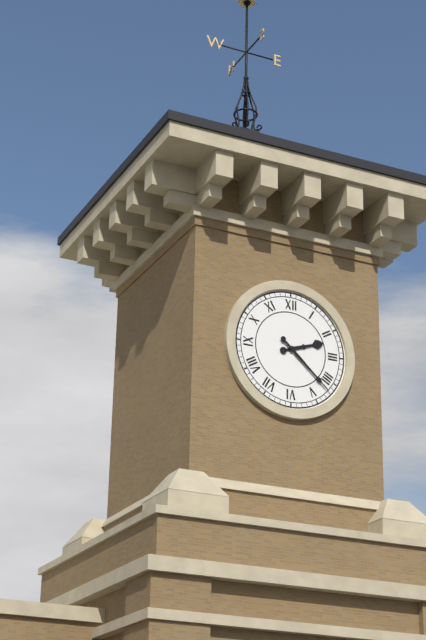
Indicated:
2.22
